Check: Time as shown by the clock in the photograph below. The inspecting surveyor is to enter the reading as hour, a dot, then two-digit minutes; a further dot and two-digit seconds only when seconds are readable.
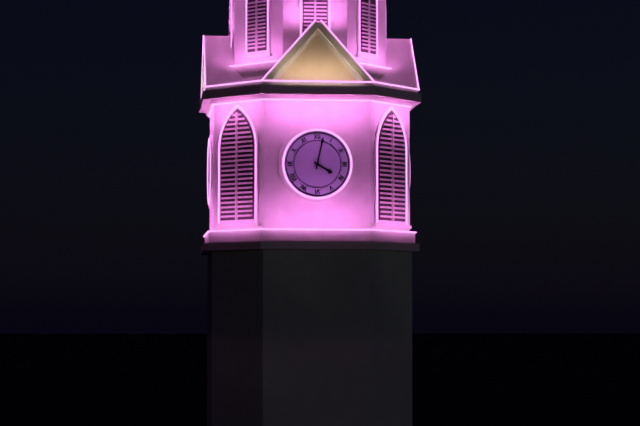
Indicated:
4.02
